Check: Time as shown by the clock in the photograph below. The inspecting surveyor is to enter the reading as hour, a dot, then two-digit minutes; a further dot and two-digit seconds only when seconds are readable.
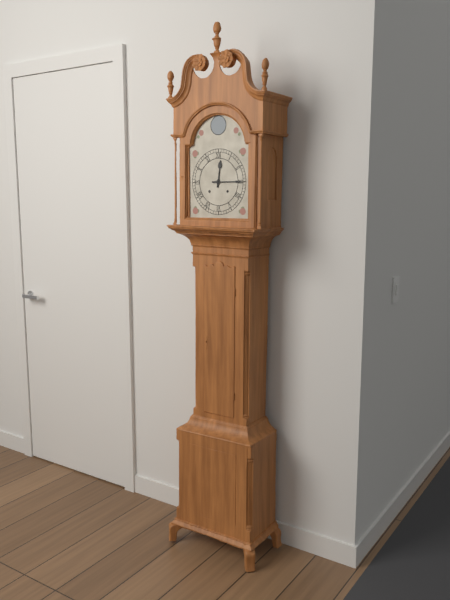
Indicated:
12.15
